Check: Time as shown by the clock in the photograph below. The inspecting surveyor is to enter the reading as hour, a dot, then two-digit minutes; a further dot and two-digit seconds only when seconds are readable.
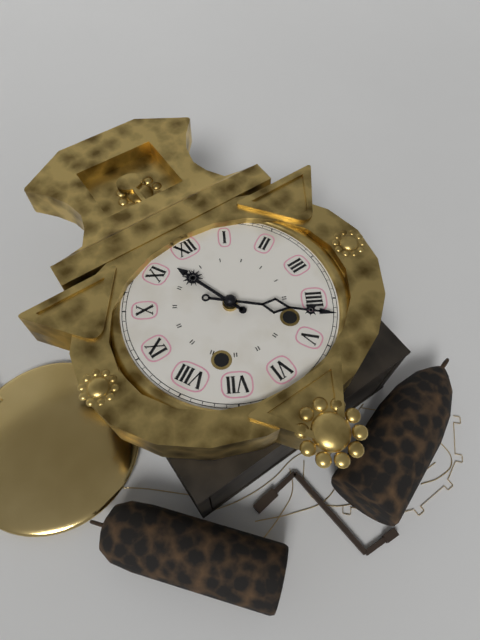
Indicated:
11.22
